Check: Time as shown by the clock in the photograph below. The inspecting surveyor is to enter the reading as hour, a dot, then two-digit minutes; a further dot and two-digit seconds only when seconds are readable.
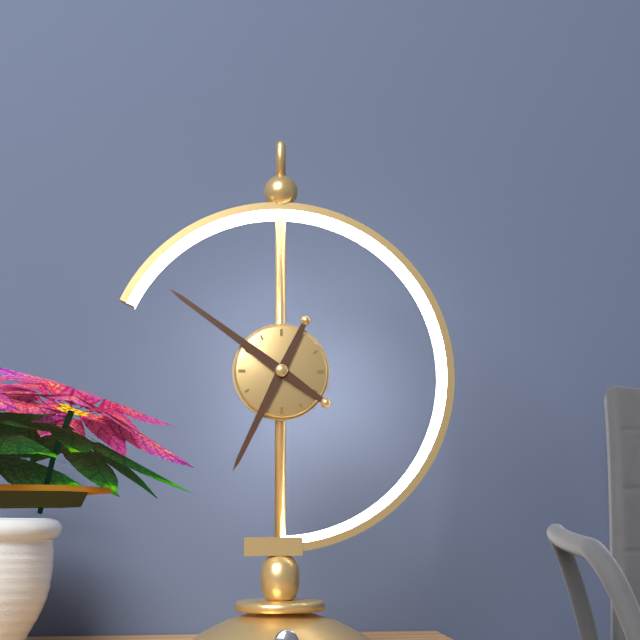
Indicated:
6.51
